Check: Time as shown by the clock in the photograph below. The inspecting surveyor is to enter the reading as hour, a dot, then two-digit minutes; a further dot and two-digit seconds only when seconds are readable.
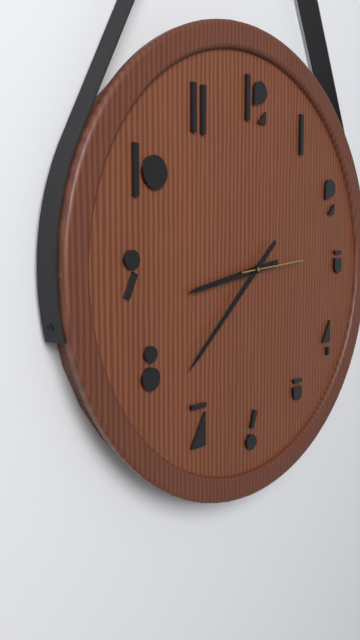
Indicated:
8.38.14
